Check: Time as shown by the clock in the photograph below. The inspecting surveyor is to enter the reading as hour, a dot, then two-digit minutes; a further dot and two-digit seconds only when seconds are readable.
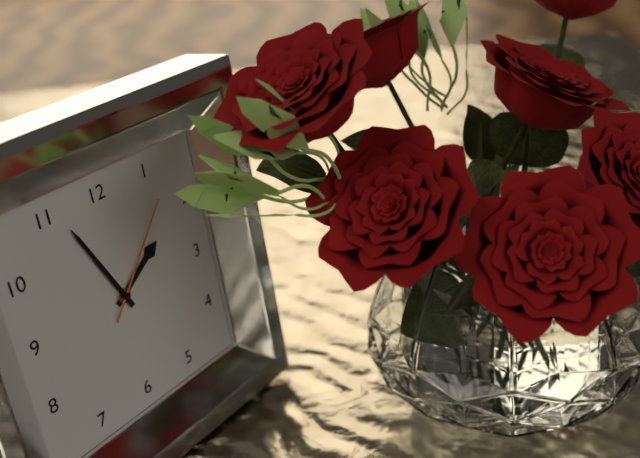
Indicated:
1.56.07
